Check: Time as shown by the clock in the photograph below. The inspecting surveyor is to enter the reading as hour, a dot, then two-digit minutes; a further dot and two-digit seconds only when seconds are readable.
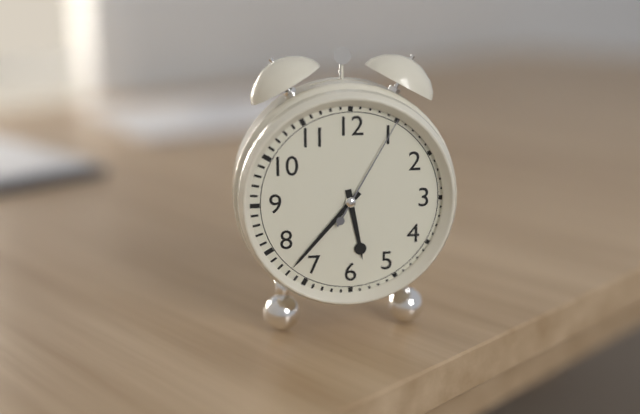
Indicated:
5.37.05
